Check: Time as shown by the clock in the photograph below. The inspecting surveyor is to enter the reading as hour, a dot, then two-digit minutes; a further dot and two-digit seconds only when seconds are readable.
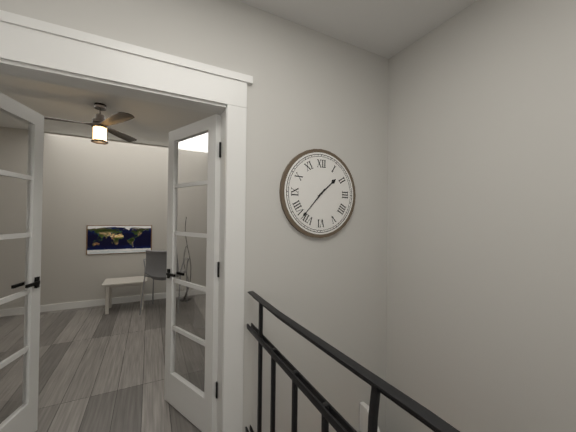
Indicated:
1.37
